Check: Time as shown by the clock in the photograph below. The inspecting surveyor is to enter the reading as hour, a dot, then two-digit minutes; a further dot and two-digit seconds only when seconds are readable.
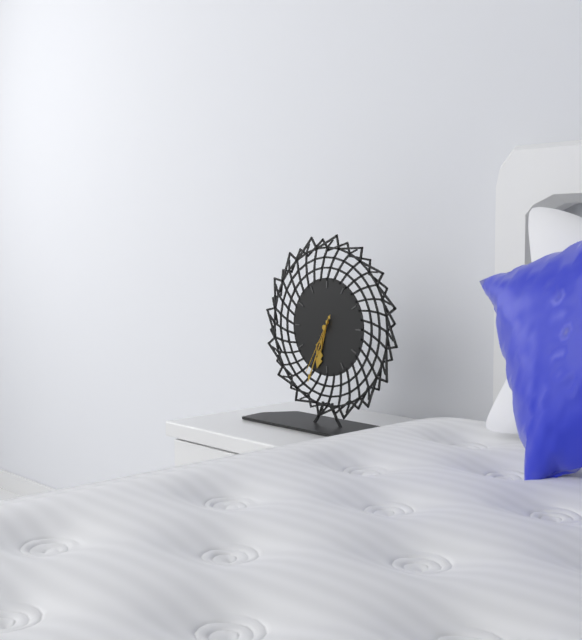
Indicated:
6.34.35
